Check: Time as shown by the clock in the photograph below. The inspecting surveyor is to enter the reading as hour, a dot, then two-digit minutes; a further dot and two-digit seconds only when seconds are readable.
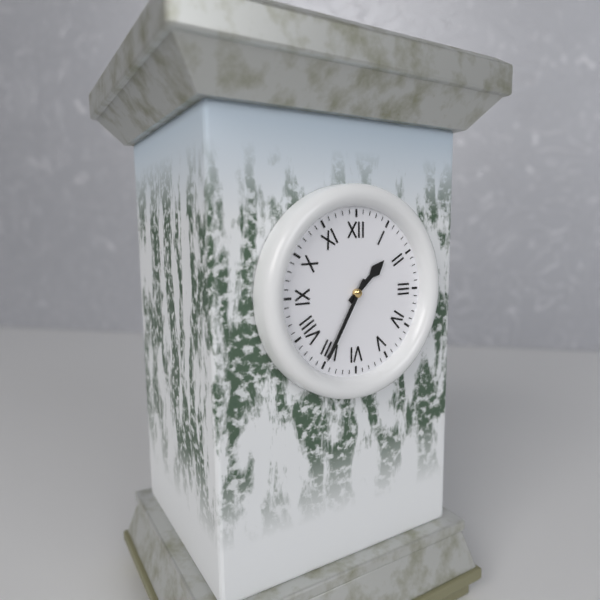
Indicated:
1.35
